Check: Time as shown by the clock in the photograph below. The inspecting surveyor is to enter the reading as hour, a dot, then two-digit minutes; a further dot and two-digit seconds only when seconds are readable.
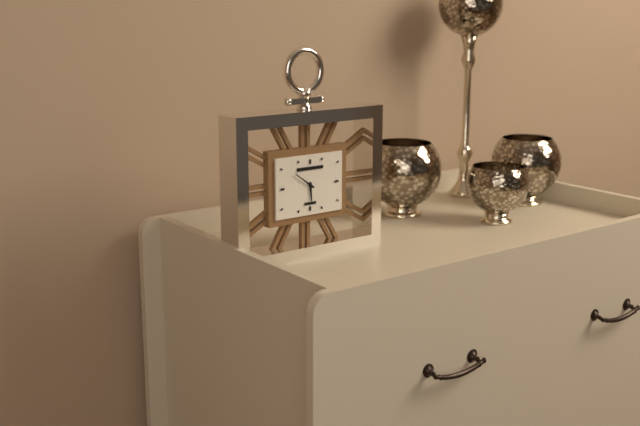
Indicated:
5.51
